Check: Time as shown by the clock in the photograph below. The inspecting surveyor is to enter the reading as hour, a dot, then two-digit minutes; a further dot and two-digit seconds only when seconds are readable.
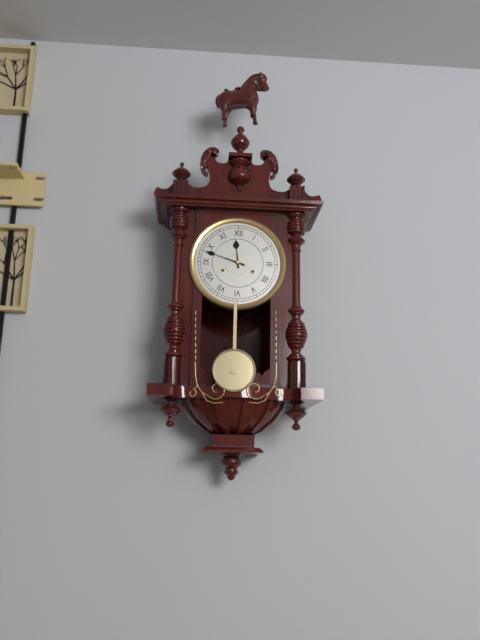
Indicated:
11.48
